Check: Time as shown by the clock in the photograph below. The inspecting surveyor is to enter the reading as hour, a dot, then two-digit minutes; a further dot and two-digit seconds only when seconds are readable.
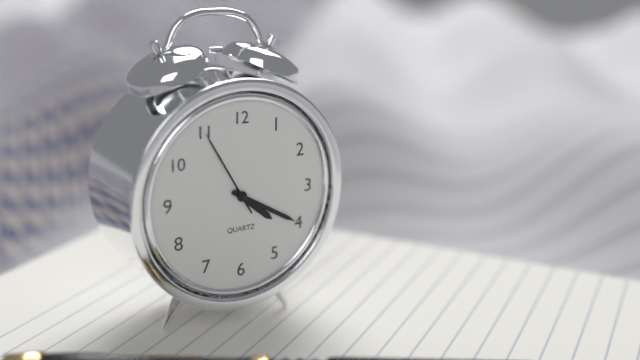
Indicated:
4.20.55
